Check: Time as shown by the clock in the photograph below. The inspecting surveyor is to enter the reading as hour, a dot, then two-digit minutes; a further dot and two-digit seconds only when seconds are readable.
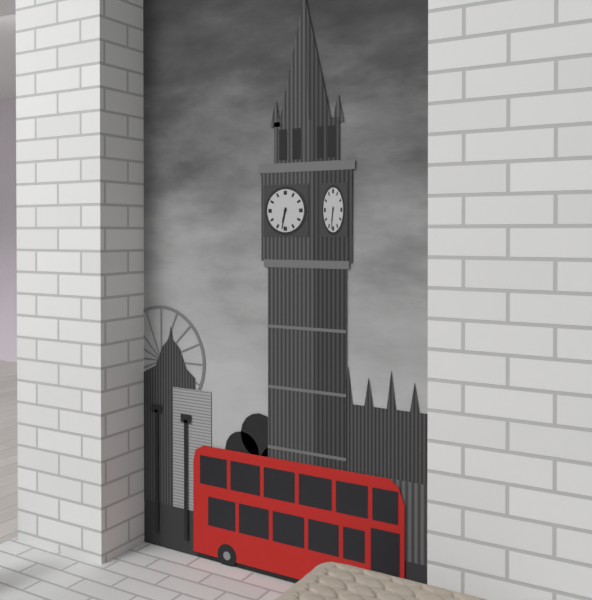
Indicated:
6.32
